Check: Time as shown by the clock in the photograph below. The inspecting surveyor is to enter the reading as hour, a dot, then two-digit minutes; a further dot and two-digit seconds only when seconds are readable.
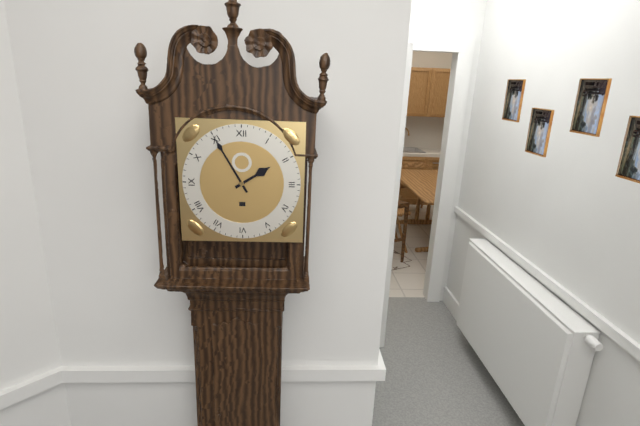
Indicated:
1.55
